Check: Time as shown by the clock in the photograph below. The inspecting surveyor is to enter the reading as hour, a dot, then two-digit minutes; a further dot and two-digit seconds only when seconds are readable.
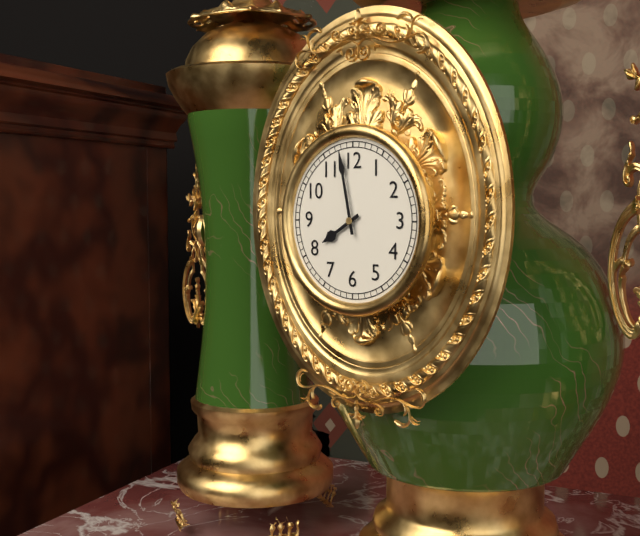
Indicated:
7.58
